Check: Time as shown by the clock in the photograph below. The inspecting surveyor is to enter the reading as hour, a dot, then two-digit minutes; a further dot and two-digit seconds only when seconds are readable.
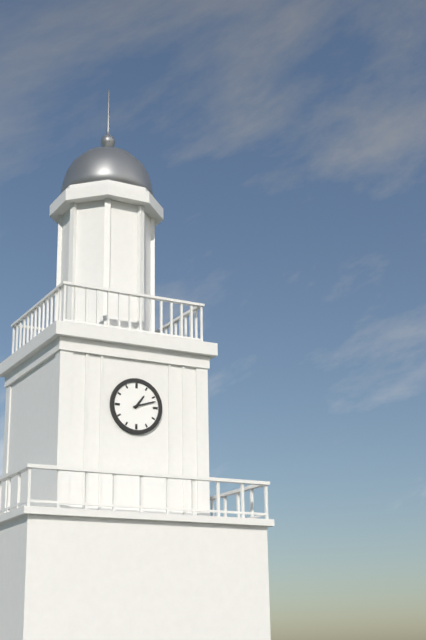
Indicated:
1.12
